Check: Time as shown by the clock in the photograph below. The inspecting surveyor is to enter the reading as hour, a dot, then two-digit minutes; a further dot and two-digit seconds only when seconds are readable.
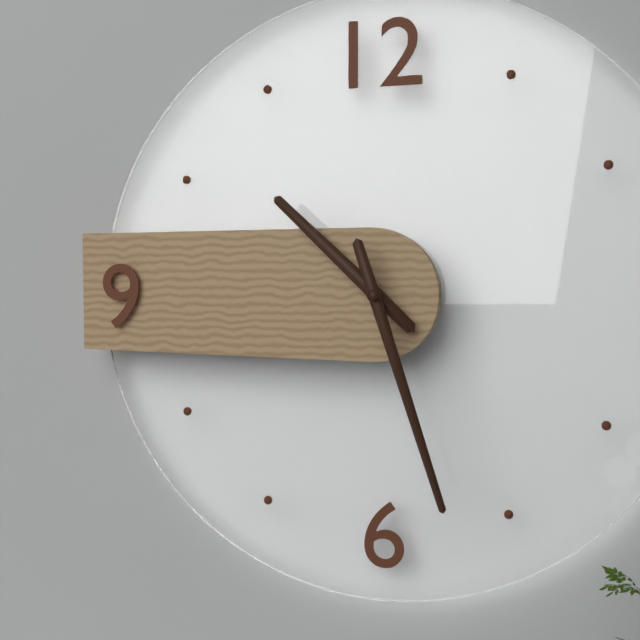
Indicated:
10.27
